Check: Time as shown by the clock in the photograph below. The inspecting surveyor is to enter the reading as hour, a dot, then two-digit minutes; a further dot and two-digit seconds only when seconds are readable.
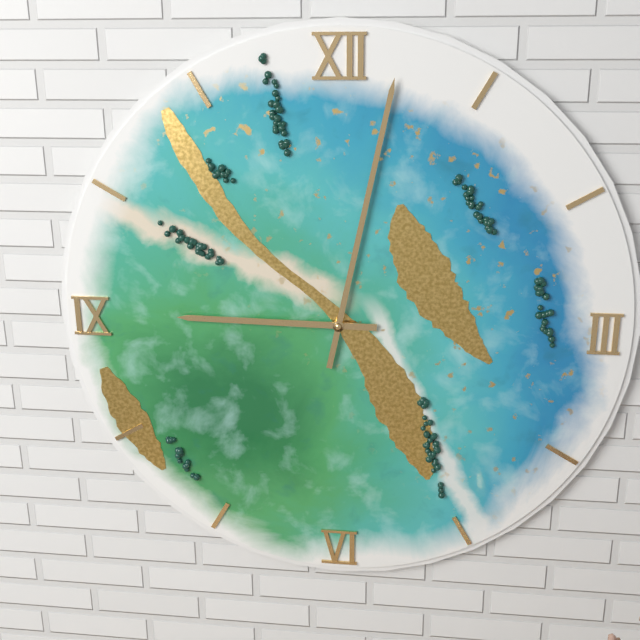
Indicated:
9.02
